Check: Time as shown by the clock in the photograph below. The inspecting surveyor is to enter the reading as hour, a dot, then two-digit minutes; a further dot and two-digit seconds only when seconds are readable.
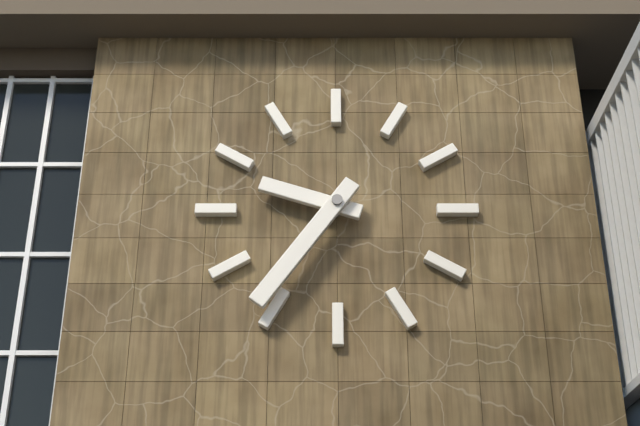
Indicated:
9.36
